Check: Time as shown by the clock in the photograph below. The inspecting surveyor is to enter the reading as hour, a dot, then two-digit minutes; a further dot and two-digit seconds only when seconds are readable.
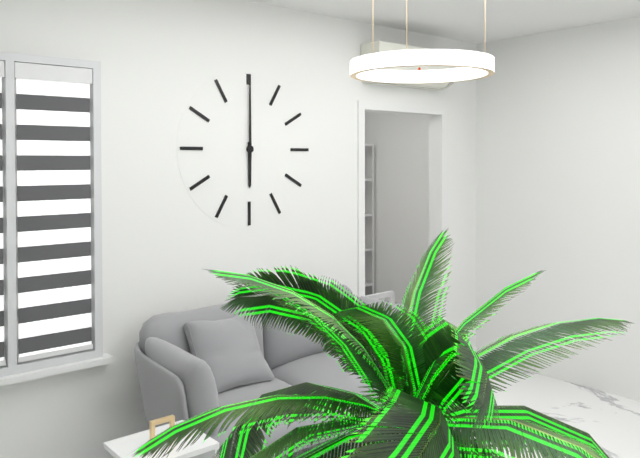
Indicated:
6.00
